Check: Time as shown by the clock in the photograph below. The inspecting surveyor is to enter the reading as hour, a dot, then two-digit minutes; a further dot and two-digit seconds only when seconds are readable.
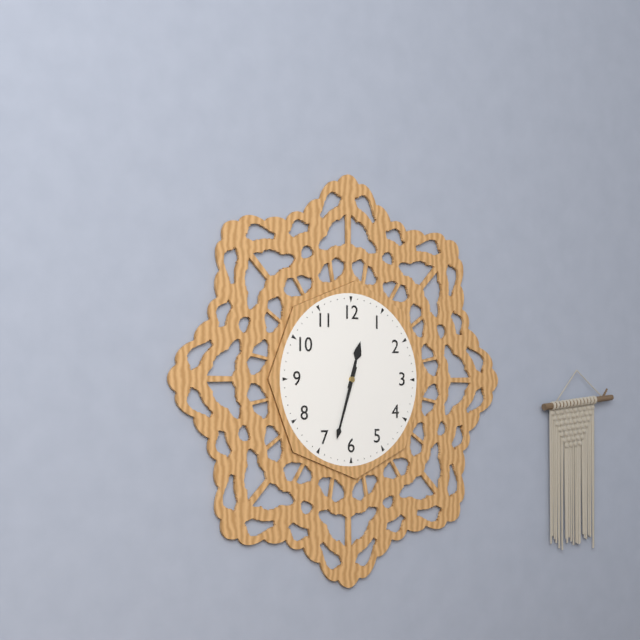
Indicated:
12.33
